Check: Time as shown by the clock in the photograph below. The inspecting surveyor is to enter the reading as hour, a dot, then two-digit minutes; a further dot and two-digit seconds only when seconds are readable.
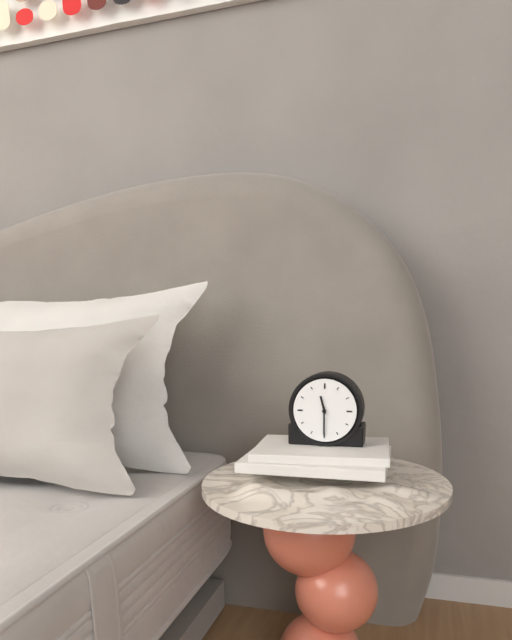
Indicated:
11.30
